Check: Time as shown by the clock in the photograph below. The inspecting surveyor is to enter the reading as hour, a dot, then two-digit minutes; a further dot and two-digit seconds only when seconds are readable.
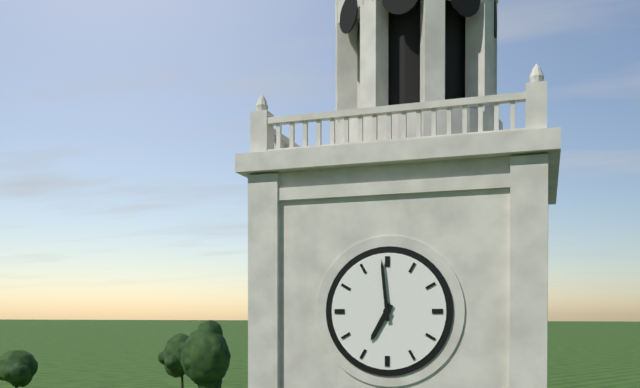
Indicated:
6.59
